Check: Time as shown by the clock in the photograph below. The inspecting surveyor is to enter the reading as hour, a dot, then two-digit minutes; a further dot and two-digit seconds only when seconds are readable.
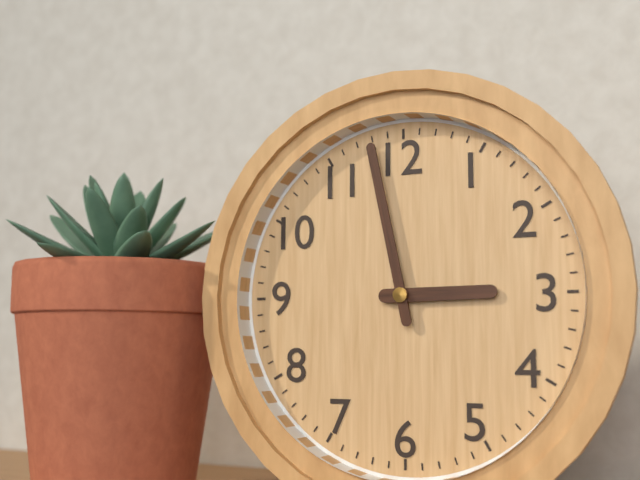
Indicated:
2.58
